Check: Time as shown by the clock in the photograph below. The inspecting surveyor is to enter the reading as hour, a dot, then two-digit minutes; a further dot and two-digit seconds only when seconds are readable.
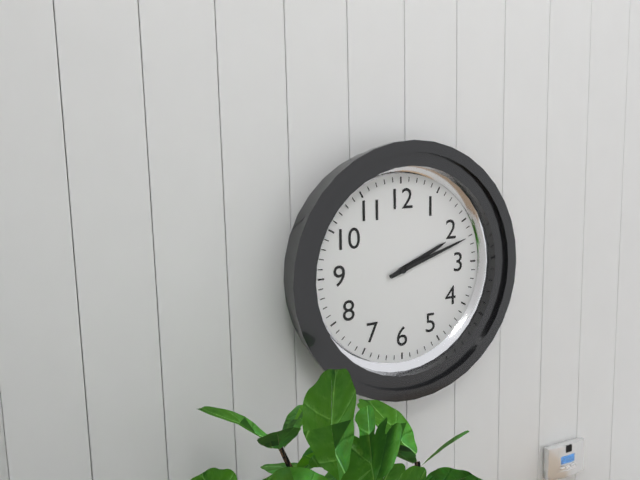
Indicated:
2.12
